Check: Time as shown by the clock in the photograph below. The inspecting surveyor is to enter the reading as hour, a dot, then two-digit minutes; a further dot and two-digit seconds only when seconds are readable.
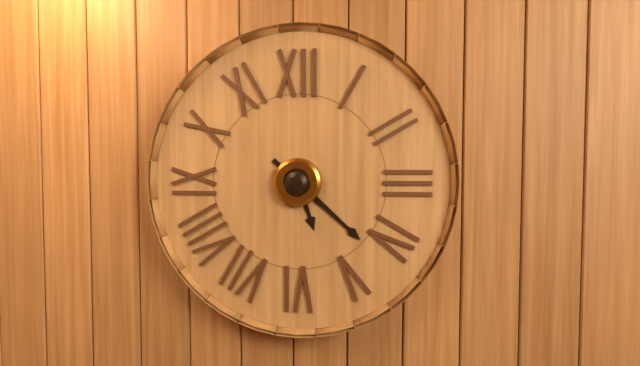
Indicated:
5.22
